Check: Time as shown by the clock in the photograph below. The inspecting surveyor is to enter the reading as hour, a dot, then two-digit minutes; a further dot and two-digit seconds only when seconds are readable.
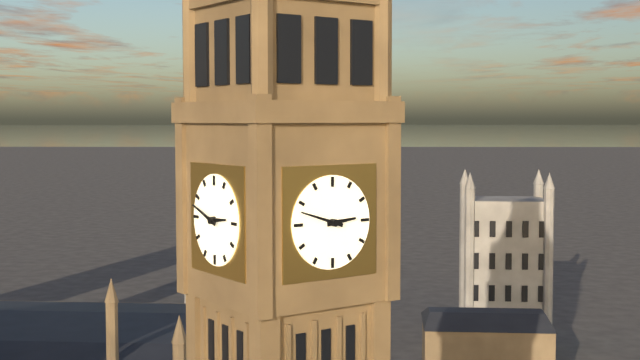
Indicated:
2.48
